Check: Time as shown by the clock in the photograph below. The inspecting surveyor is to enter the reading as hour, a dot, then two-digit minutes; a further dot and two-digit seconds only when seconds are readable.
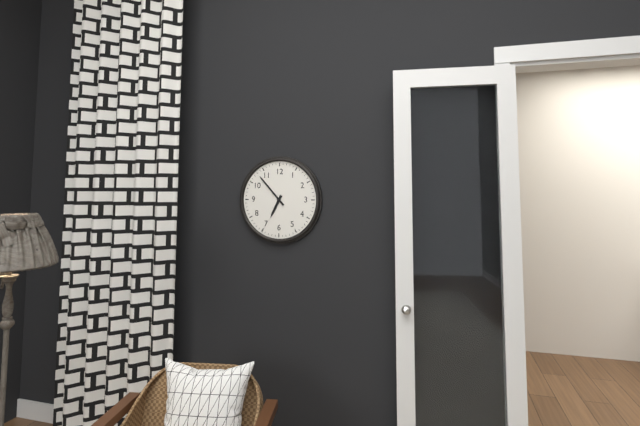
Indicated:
6.53
